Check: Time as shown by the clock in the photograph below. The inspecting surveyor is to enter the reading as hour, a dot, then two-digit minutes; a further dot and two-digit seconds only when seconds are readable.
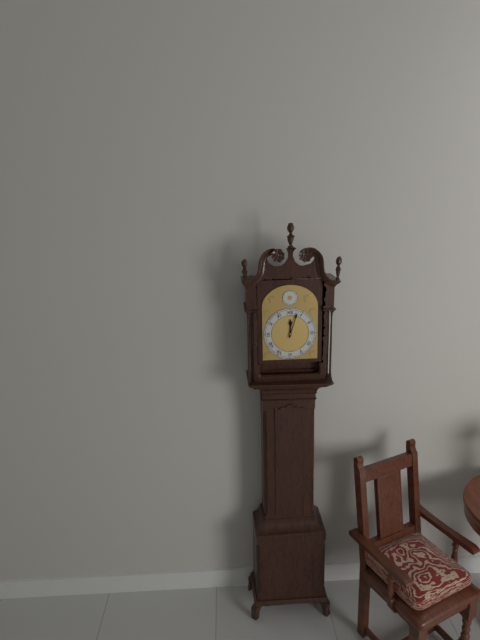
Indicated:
12.03
